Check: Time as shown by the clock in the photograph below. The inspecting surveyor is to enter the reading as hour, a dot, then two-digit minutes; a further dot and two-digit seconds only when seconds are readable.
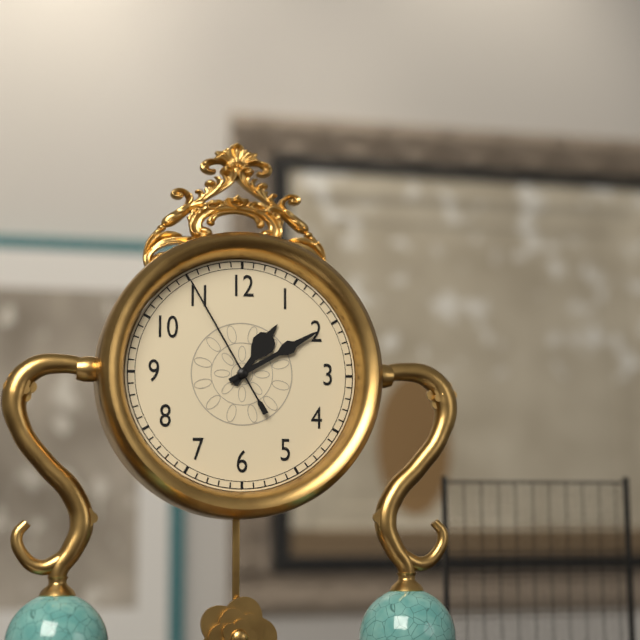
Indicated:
1.10.55
